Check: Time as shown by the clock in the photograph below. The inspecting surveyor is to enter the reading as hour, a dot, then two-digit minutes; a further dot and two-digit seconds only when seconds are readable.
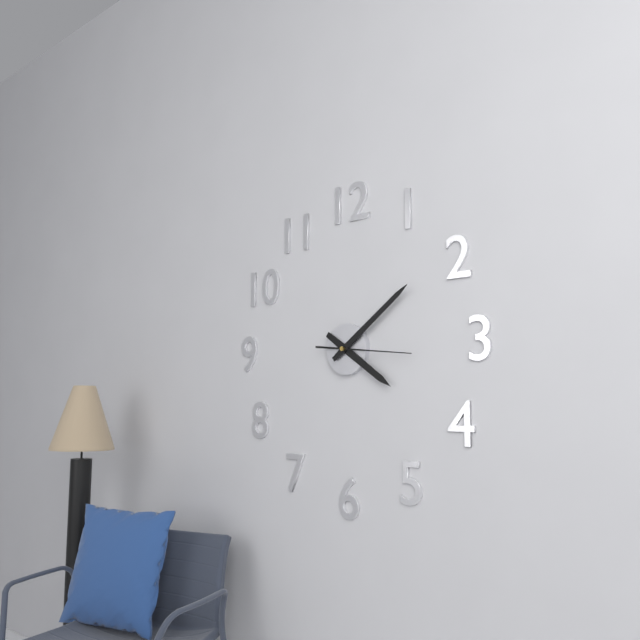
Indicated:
4.09.16
